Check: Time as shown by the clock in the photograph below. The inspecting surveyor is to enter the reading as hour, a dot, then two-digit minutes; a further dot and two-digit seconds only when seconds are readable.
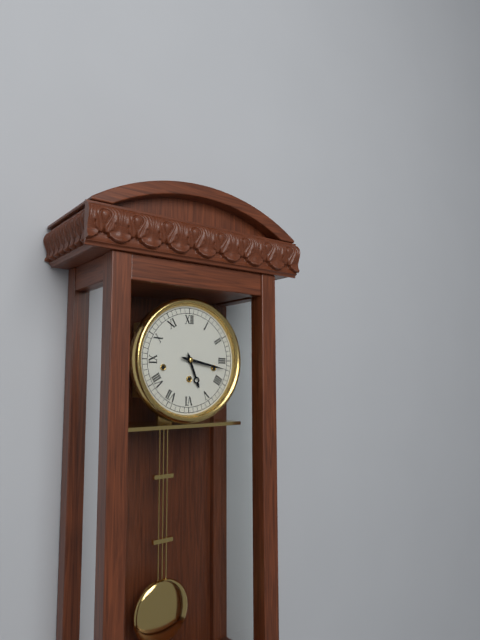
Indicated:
5.17
